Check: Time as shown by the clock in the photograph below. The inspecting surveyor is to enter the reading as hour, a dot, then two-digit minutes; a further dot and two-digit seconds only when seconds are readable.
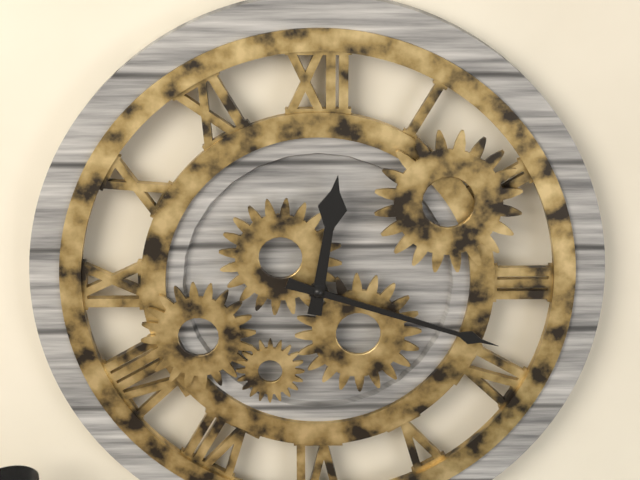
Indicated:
12.18
